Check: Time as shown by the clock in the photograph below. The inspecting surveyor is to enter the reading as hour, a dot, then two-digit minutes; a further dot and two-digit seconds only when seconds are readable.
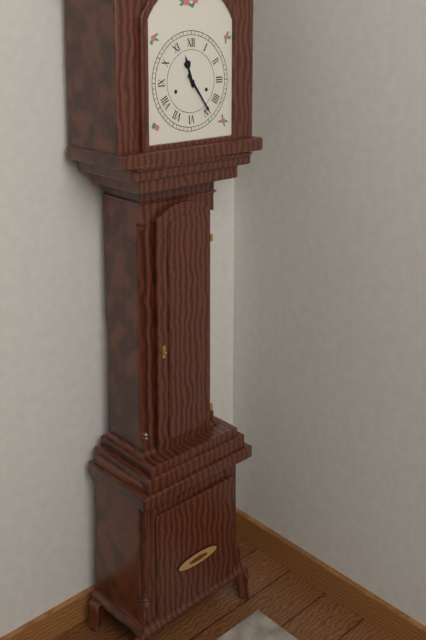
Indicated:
11.24
